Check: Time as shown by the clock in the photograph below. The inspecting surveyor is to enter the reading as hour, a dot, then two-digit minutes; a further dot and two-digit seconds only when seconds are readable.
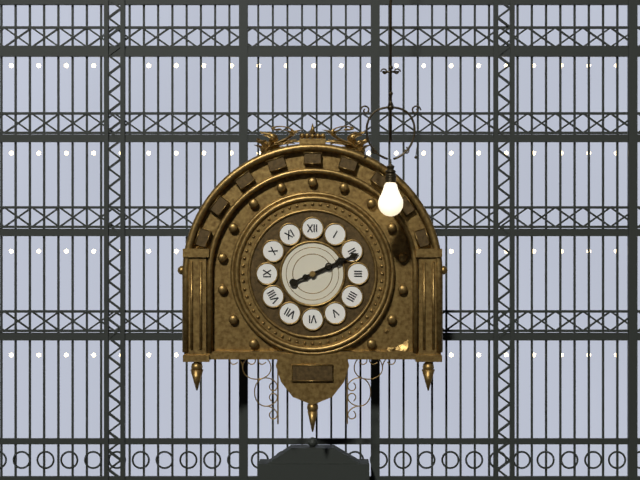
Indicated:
2.11
